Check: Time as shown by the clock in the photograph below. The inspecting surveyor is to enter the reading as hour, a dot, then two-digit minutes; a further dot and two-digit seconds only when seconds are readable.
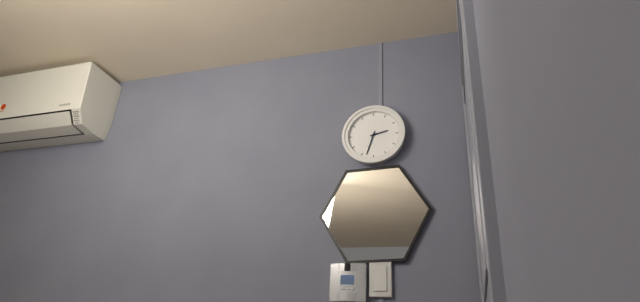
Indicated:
2.33
